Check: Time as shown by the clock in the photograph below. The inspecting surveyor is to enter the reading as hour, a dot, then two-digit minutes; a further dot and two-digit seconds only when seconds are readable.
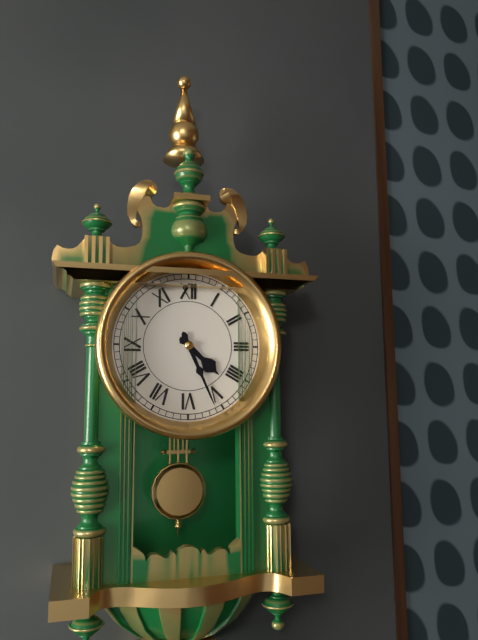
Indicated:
4.26
